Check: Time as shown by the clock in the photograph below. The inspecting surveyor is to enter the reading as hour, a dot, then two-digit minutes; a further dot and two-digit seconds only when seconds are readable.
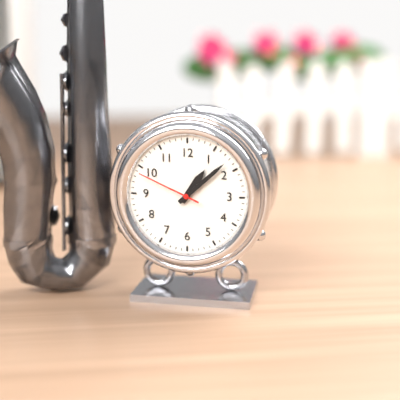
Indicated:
1.08.49
